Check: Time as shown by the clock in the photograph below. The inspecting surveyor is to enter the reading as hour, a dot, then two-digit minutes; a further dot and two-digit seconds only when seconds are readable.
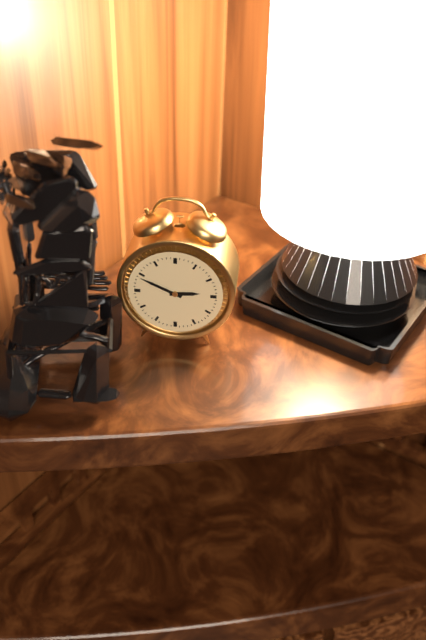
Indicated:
2.49
